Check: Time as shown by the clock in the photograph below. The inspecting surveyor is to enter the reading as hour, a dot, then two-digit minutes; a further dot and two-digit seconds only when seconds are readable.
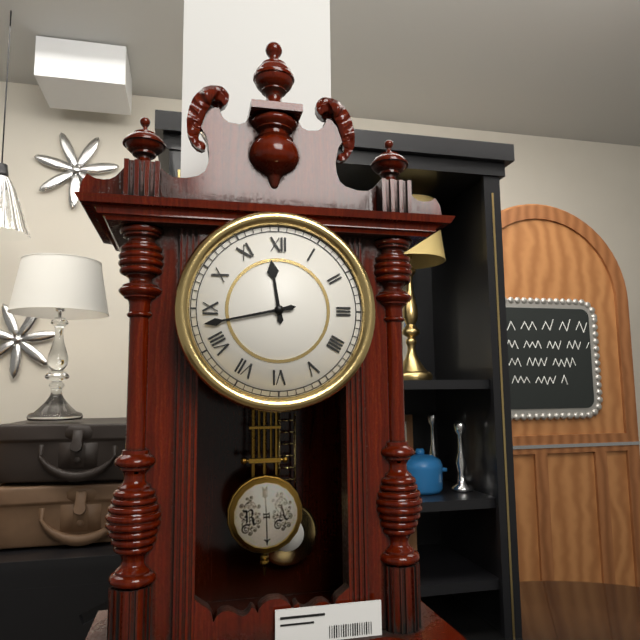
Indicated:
11.43
